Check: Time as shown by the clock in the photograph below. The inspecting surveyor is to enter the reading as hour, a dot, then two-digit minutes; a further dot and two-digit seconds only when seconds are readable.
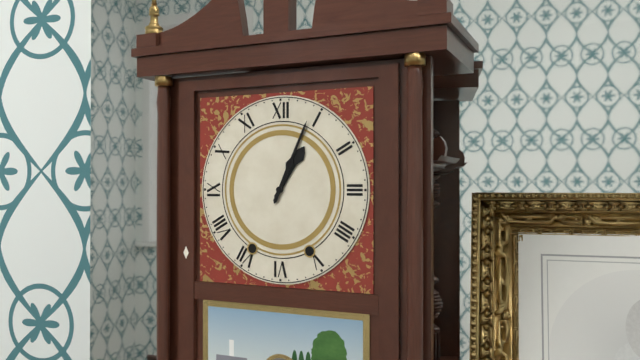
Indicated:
1.04
